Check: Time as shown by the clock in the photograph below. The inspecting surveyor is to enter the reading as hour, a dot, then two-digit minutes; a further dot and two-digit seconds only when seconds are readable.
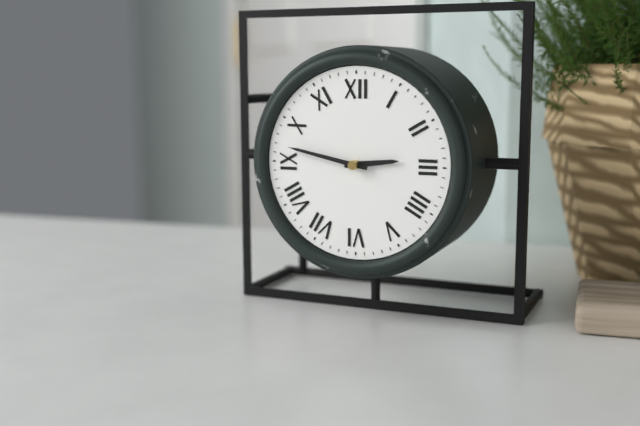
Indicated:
2.47
